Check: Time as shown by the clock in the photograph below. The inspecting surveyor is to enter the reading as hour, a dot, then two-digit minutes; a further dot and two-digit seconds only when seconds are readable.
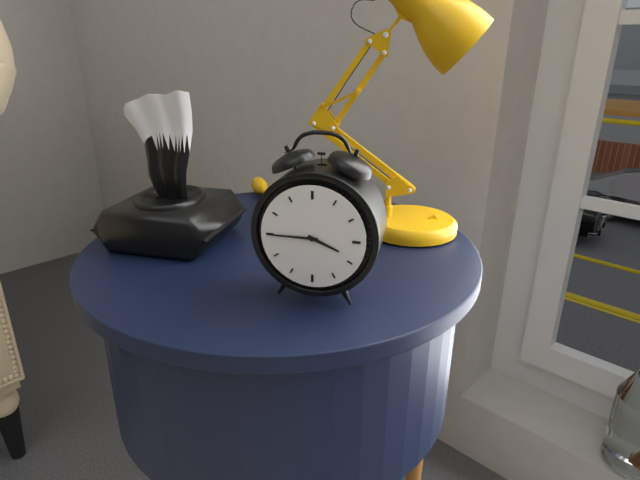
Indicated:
3.45
